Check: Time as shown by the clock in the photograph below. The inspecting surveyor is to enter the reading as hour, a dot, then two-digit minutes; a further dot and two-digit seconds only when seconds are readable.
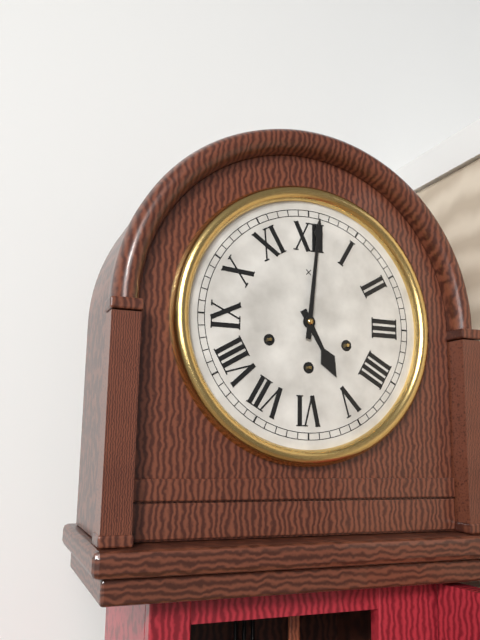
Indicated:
5.01
